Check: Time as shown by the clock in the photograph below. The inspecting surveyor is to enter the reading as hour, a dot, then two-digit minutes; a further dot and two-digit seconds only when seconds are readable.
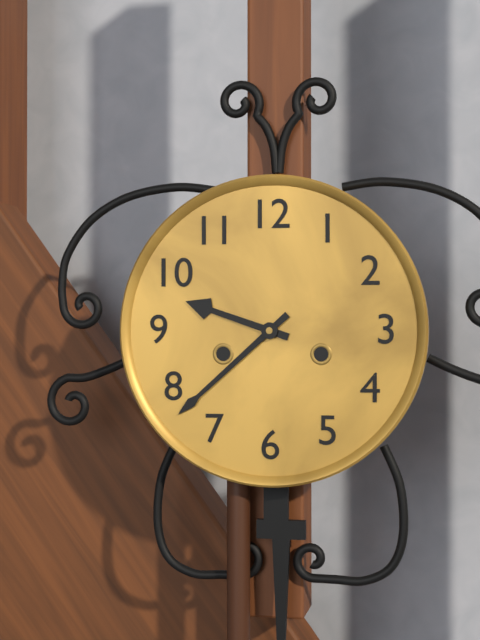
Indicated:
9.38
